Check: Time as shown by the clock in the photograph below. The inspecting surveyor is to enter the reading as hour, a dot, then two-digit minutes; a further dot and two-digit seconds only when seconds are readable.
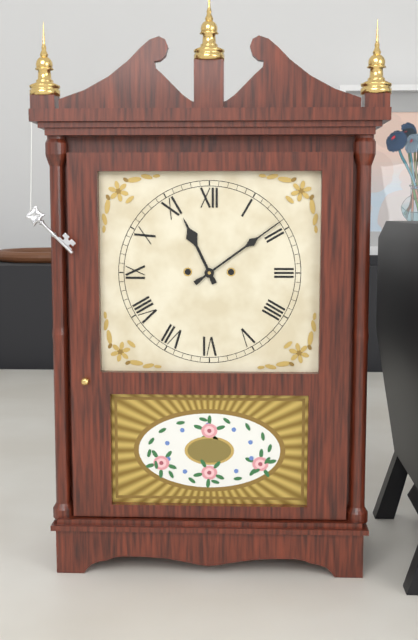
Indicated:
11.09
